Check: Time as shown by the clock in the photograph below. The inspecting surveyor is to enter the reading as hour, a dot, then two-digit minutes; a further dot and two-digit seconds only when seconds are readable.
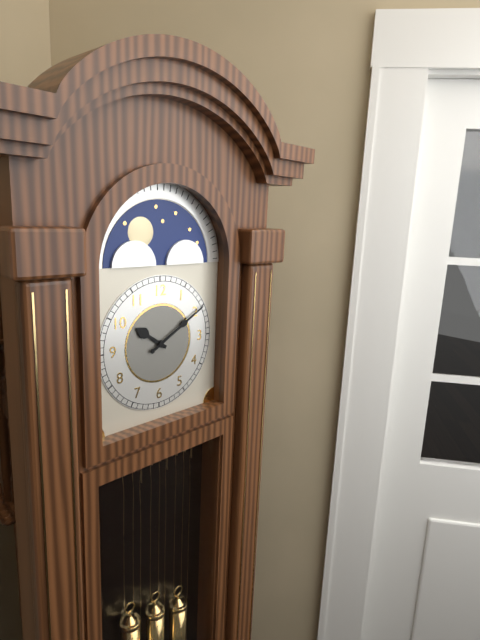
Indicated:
10.10
